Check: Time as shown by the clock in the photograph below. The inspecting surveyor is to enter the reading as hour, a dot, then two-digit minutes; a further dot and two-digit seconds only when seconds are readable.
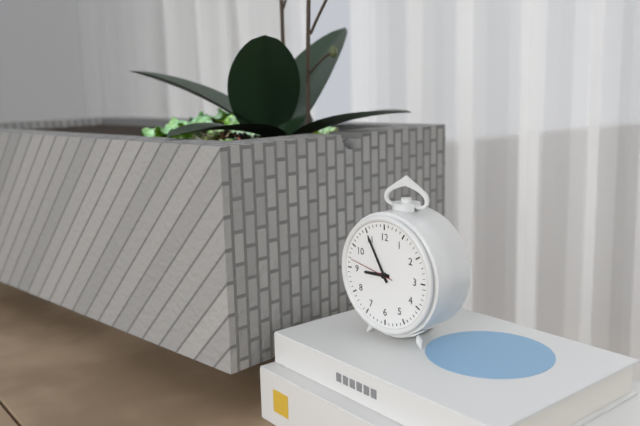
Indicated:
8.55
